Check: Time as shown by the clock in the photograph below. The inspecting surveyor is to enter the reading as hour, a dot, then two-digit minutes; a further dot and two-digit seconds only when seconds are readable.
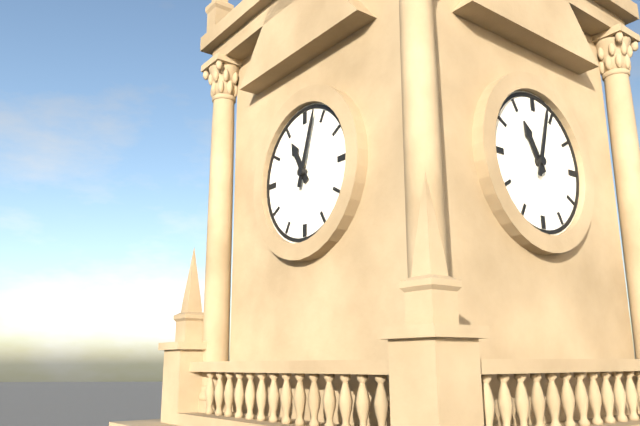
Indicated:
11.03
